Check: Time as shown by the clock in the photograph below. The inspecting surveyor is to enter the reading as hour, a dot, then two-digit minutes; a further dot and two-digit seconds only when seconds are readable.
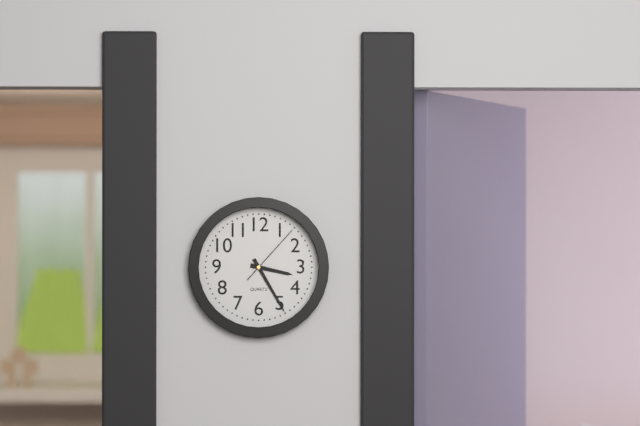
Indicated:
3.25.07
